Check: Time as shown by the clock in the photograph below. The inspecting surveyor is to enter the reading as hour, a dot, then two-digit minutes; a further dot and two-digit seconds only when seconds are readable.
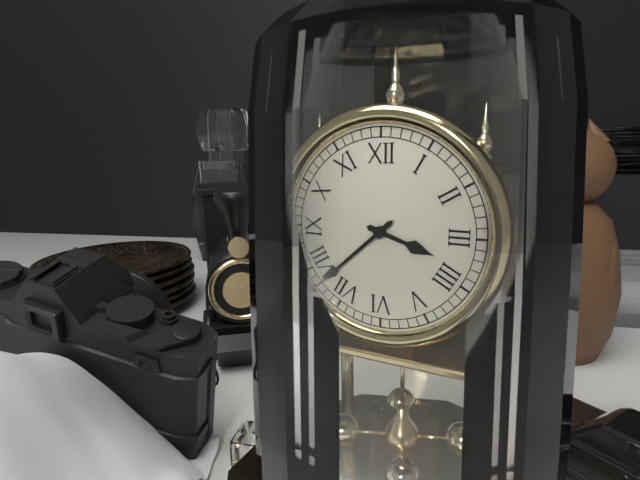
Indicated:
3.38
